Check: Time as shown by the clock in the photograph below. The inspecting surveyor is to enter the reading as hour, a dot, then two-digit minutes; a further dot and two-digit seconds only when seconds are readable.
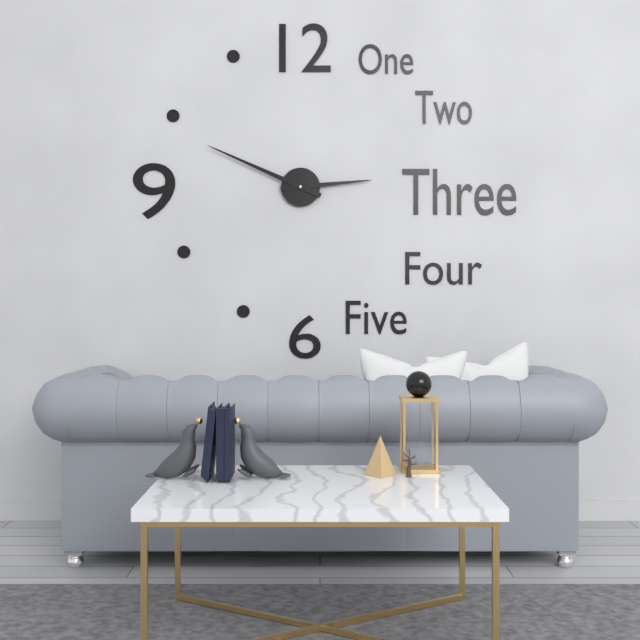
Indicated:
2.49
